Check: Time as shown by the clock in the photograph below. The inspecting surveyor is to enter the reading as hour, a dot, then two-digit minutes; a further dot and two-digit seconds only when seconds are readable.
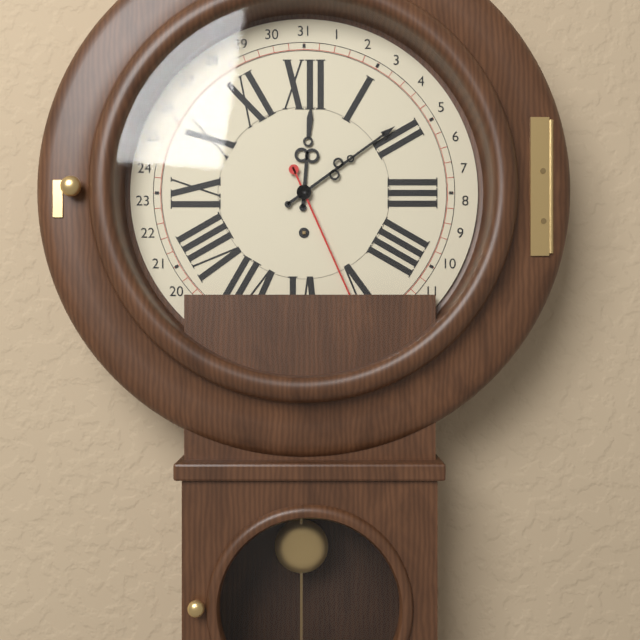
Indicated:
12.09.26
